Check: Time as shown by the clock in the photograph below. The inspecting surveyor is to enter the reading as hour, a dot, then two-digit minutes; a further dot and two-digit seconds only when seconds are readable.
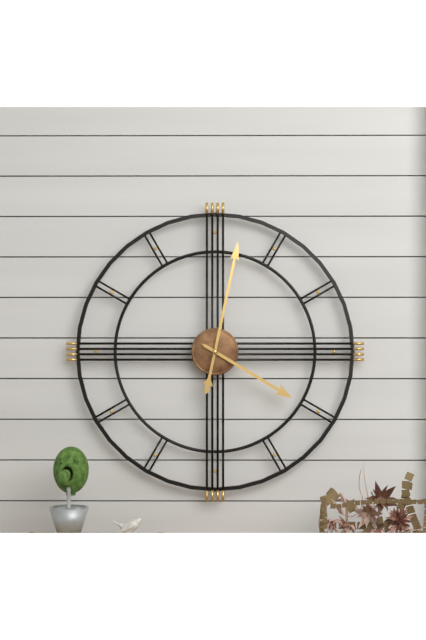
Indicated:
4.02
